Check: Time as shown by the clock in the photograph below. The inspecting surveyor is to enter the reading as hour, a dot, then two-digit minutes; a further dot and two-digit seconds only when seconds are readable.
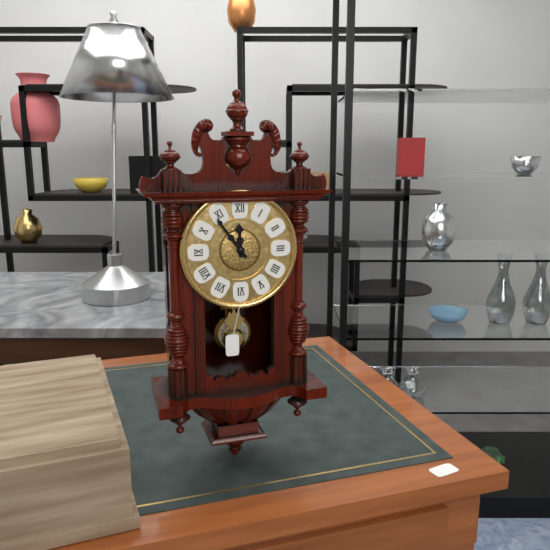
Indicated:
11.54
